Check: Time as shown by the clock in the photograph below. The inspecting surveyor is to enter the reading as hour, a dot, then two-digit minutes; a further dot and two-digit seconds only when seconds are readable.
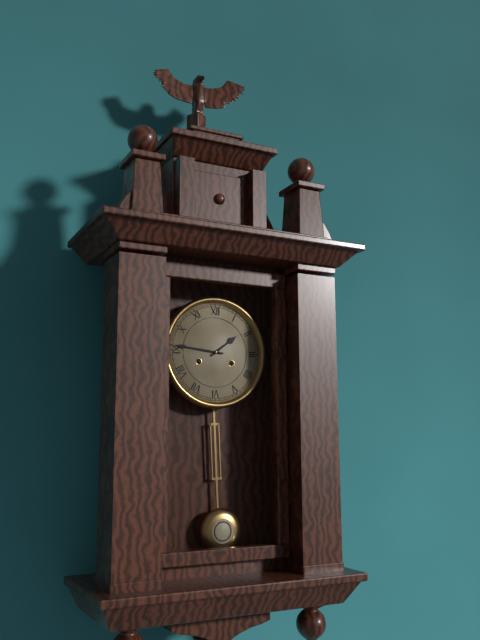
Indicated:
1.46
